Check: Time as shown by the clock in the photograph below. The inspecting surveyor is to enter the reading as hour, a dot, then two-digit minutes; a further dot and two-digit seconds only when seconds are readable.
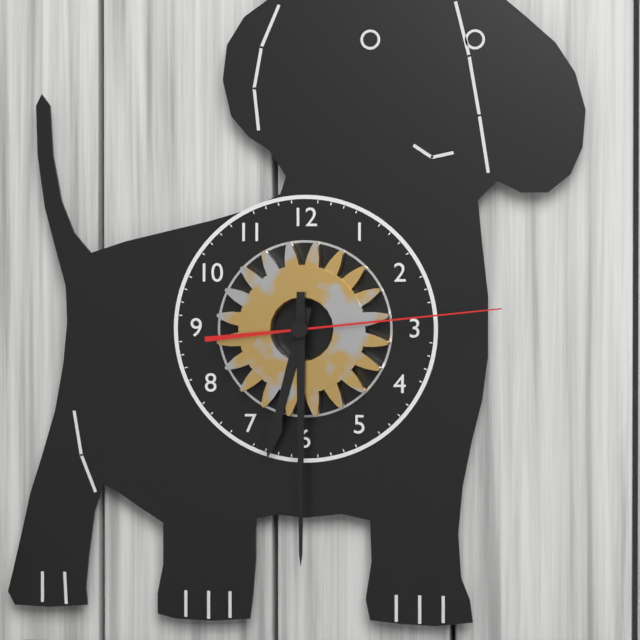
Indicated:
6.30.14
